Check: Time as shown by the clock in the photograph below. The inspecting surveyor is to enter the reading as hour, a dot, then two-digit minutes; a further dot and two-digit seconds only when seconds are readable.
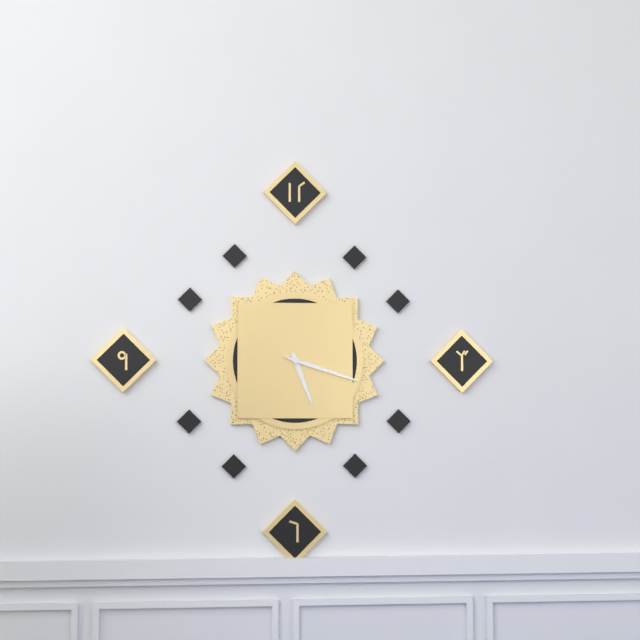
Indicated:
5.18
